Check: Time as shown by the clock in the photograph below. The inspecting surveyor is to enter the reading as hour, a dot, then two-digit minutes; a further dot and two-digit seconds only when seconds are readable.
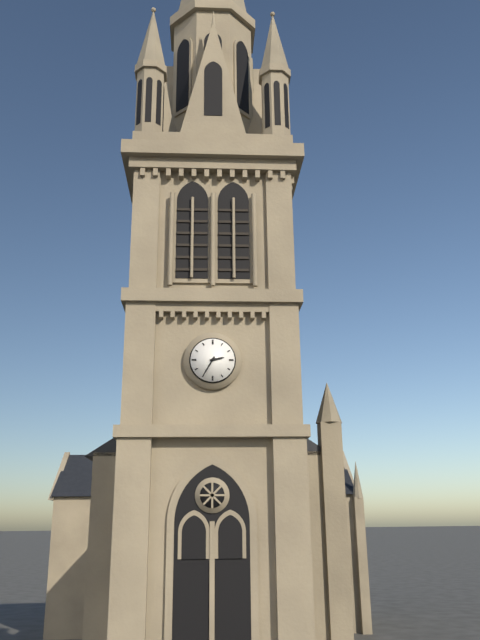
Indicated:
2.35
